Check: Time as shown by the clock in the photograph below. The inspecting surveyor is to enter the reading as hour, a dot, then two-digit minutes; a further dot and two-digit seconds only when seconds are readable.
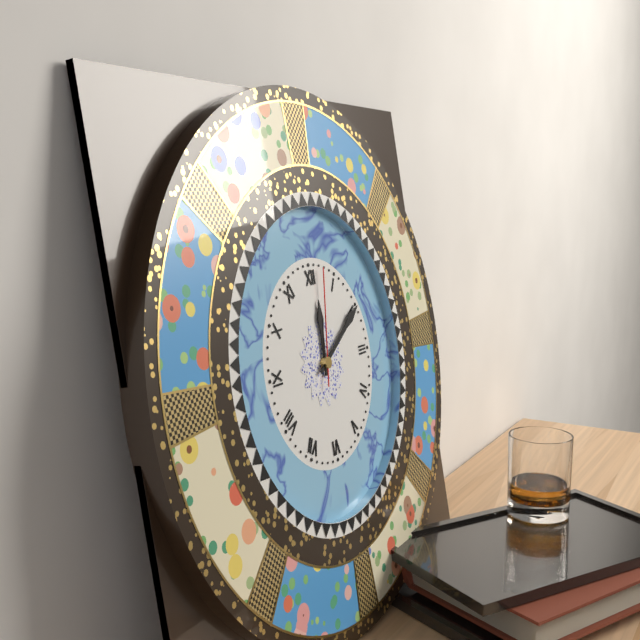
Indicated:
12.10.02
